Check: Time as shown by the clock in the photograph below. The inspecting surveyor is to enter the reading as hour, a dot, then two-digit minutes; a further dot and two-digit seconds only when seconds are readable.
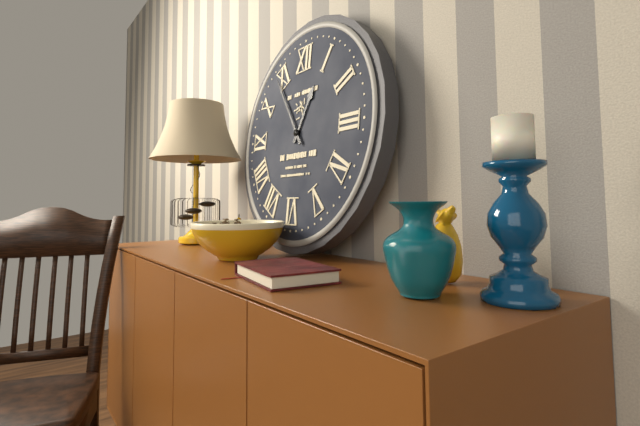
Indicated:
12.54
